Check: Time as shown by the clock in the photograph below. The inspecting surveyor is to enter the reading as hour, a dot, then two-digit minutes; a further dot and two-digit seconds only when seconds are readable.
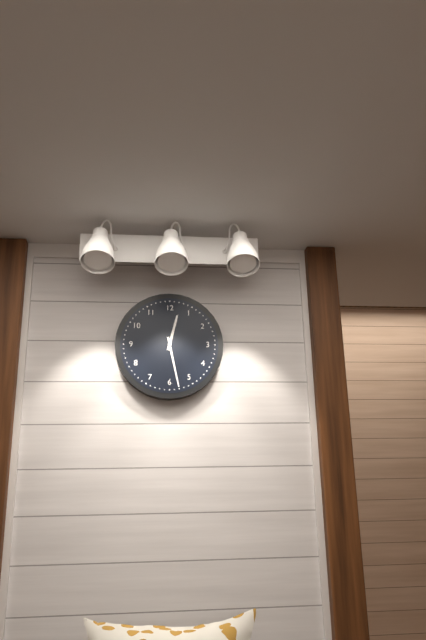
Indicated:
12.28
